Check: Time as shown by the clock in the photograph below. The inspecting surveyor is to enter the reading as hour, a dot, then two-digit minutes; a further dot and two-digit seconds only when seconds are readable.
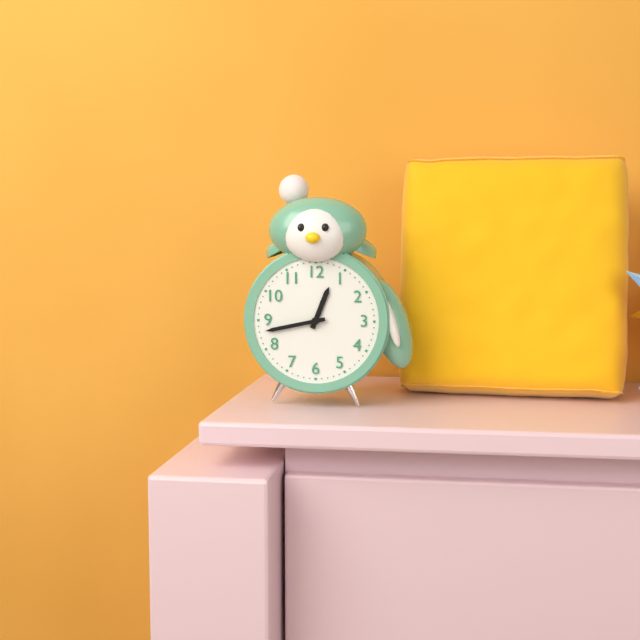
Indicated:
12.43
